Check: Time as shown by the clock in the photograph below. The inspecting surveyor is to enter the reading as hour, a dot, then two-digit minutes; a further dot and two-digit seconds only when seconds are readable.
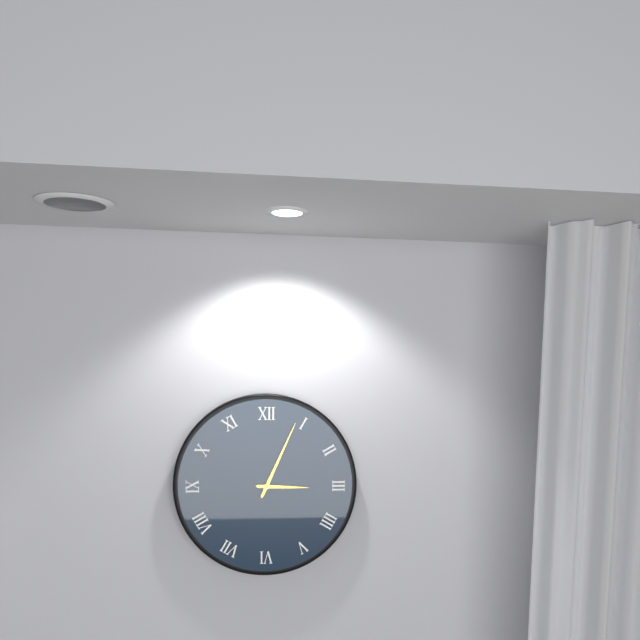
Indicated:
3.04
